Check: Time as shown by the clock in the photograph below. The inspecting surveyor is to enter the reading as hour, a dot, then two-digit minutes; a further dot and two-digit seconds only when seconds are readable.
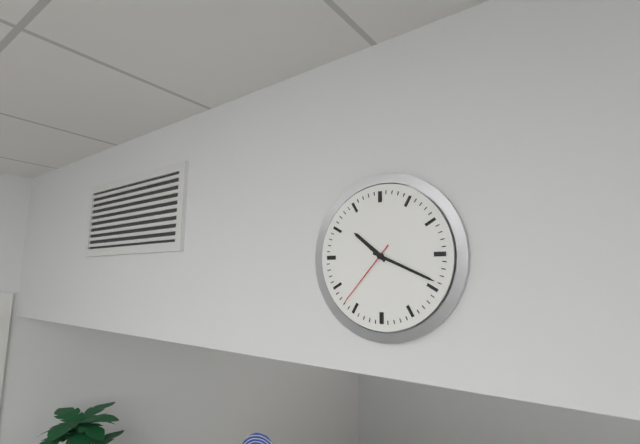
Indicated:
10.19.37
